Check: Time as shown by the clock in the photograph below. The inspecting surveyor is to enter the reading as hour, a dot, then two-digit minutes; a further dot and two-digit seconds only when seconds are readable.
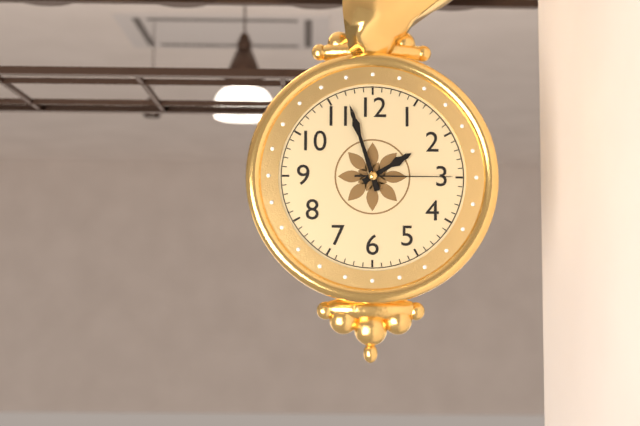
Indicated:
1.57.15
